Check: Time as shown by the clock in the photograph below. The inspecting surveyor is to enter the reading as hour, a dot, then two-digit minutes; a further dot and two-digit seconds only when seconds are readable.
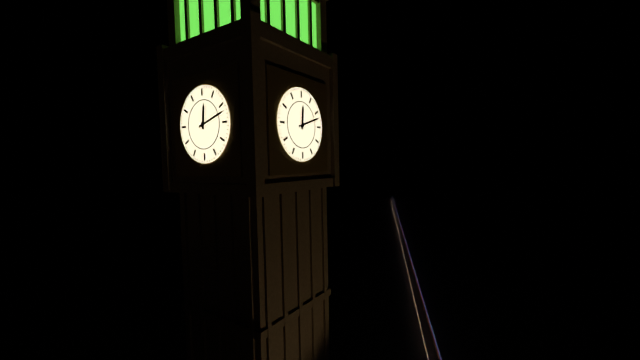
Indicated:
12.12
